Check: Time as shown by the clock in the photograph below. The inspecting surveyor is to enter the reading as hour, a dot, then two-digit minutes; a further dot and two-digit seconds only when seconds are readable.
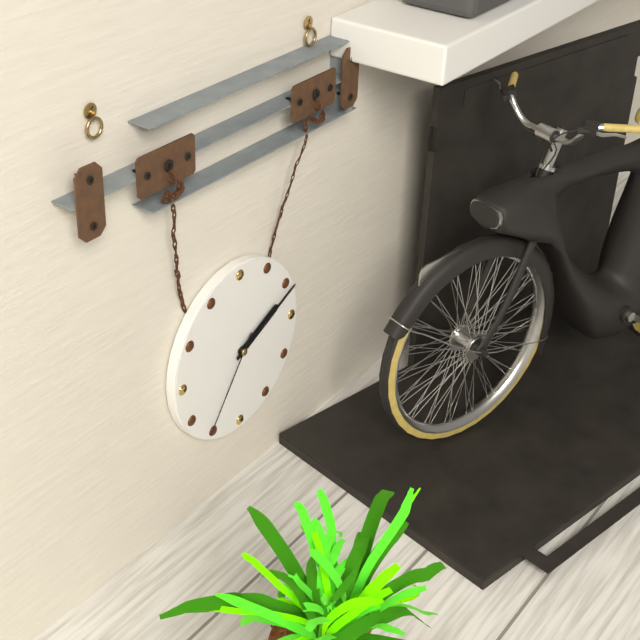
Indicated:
2.11.36
